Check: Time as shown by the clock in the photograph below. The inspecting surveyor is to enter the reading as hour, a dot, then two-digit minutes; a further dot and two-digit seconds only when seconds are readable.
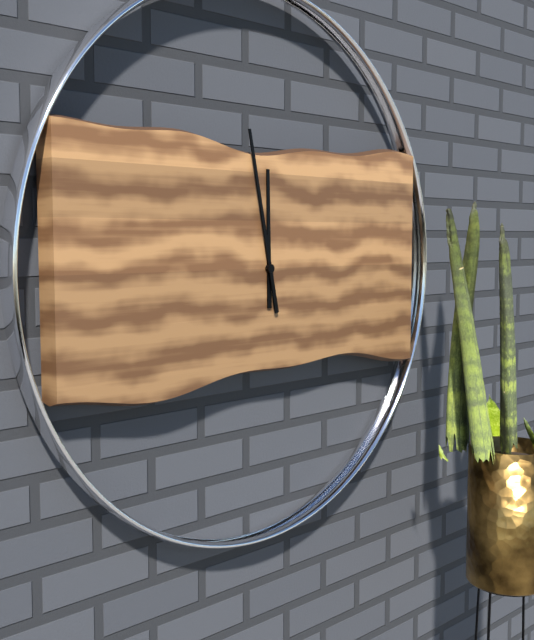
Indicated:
11.58
